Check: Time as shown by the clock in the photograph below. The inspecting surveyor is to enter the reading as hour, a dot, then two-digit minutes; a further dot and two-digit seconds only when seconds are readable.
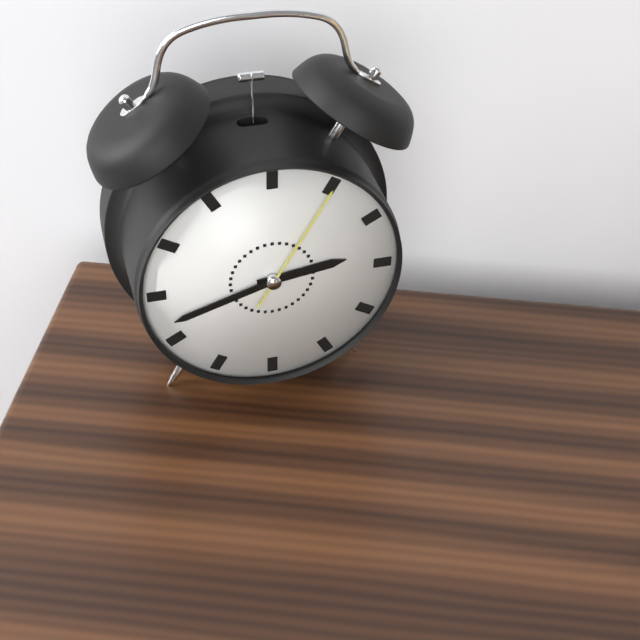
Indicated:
2.42.05
